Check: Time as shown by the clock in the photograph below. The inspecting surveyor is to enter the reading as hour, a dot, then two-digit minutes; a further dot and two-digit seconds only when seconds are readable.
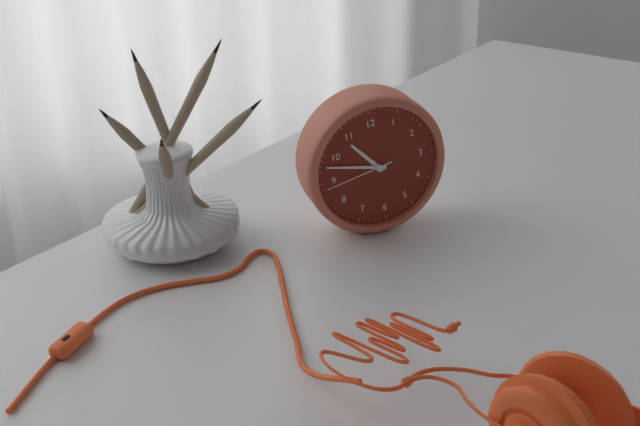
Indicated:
10.48.44
